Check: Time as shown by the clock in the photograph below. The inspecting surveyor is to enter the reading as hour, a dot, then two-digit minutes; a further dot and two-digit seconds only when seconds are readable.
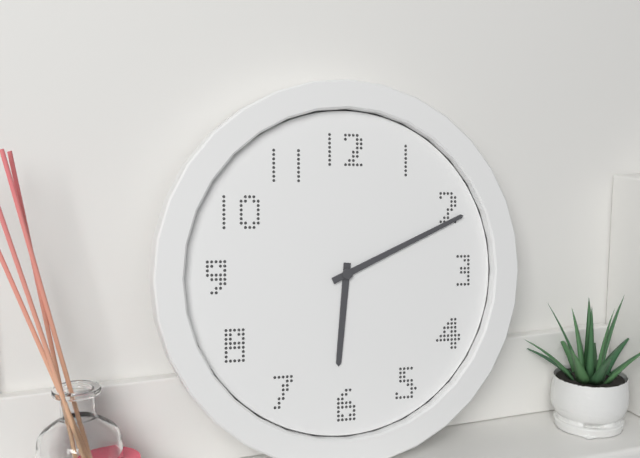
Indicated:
6.11
